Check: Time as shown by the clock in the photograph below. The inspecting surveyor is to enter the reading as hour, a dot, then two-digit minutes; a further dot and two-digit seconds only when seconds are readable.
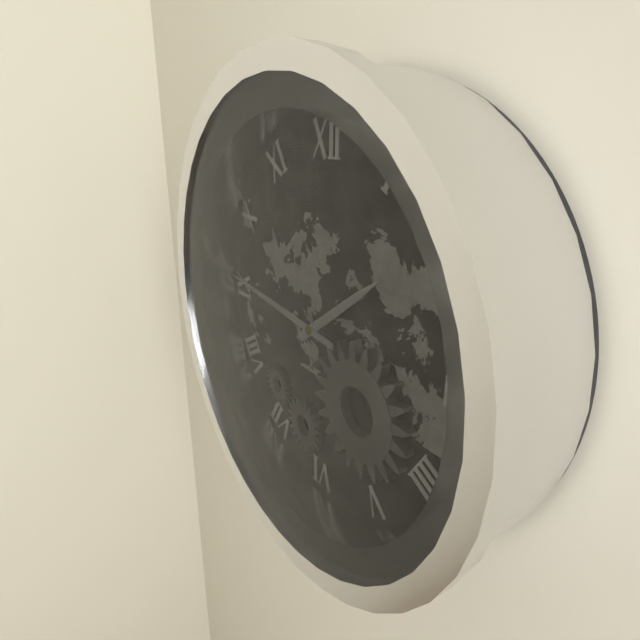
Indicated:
1.46
